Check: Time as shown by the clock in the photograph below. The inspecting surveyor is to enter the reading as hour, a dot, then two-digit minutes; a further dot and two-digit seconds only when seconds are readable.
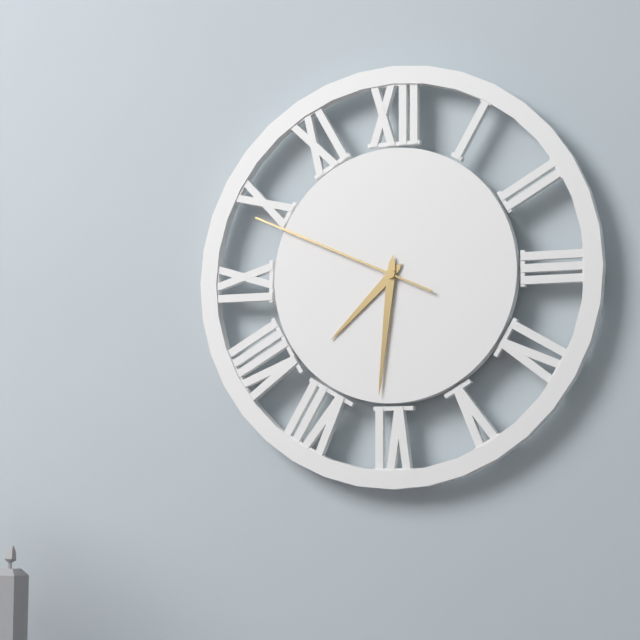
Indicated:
7.31.49
